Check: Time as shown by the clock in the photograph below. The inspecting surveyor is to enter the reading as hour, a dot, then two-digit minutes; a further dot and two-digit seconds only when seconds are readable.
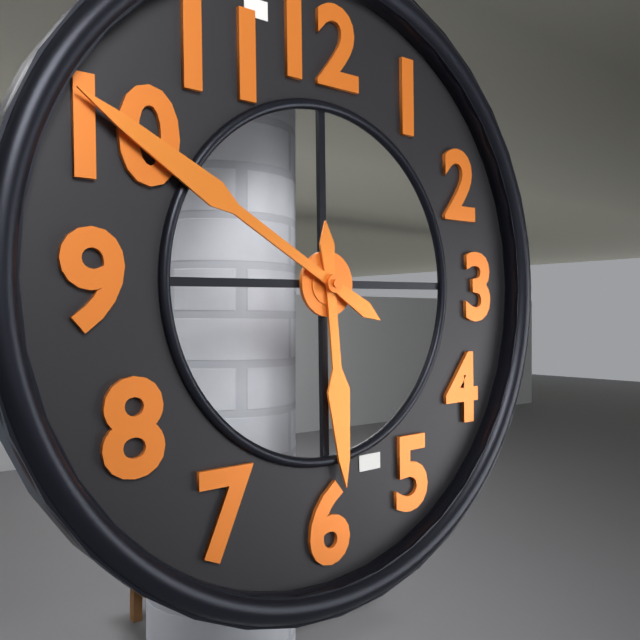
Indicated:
5.50
